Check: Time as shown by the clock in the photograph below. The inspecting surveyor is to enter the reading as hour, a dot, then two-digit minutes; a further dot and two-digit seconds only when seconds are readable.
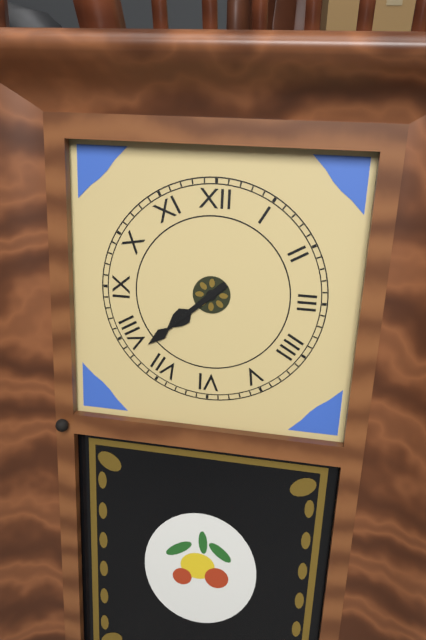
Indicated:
7.38
